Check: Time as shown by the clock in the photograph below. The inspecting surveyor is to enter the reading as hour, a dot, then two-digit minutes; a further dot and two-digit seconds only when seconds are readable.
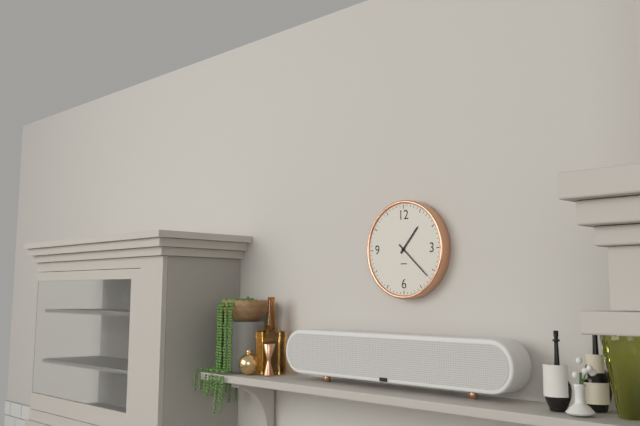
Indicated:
1.22
